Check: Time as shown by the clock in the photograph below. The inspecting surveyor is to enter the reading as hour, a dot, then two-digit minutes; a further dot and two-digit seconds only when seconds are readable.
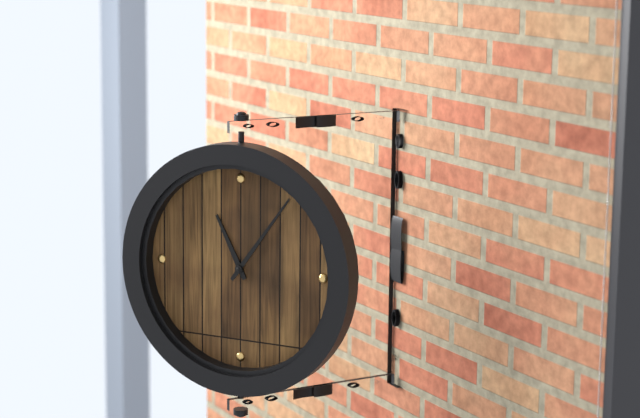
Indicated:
11.06
